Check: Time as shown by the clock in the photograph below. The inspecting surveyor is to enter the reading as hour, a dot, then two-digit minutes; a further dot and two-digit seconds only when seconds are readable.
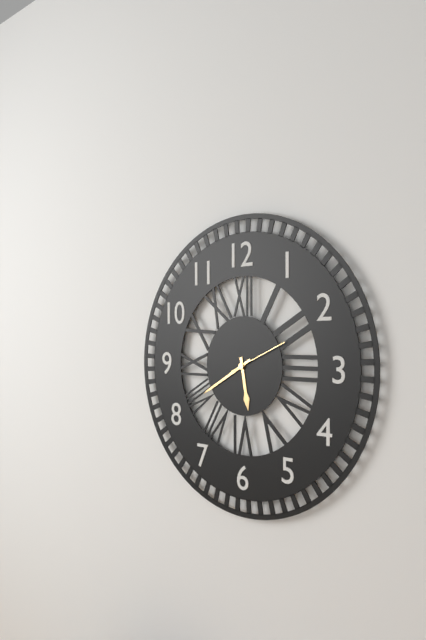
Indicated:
5.40.11
